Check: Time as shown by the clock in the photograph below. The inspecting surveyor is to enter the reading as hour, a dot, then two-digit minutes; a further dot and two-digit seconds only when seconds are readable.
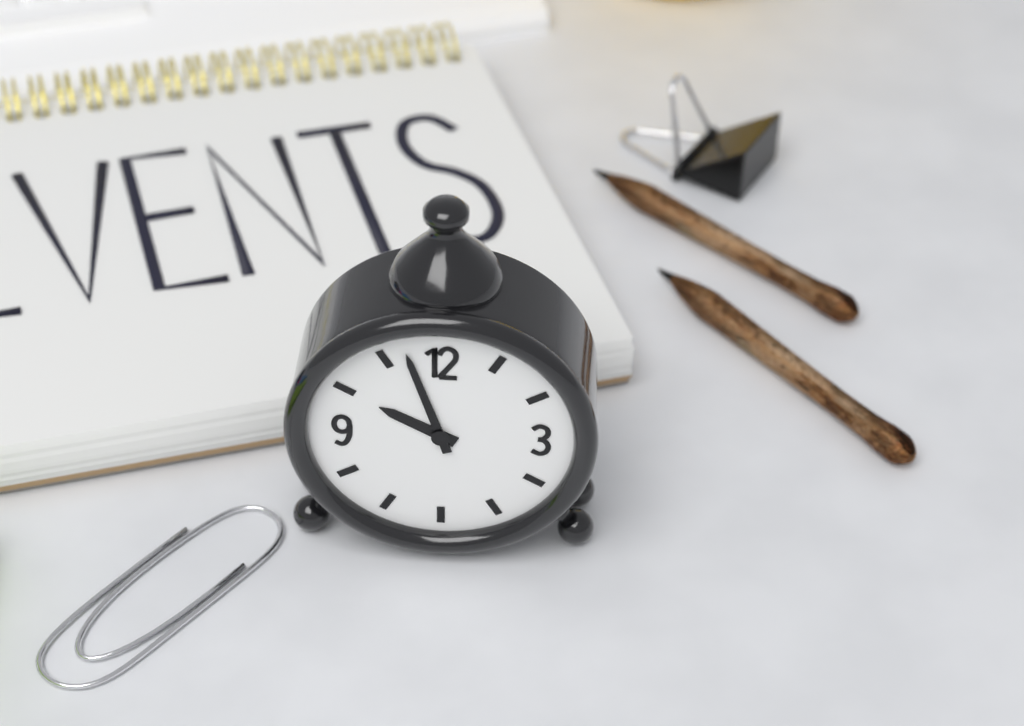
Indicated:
9.57
